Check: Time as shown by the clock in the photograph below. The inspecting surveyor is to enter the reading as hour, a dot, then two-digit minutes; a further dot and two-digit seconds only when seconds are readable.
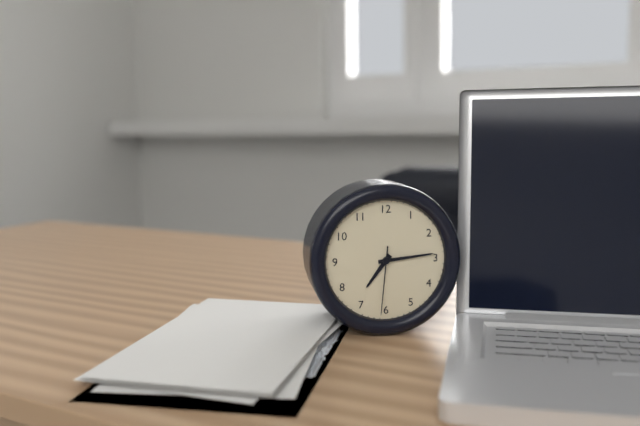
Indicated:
7.14.31
